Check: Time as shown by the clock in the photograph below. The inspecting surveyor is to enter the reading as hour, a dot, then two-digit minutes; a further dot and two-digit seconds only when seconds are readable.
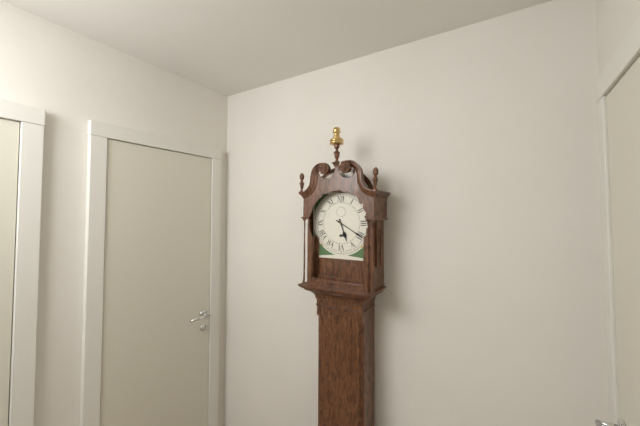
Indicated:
5.20
